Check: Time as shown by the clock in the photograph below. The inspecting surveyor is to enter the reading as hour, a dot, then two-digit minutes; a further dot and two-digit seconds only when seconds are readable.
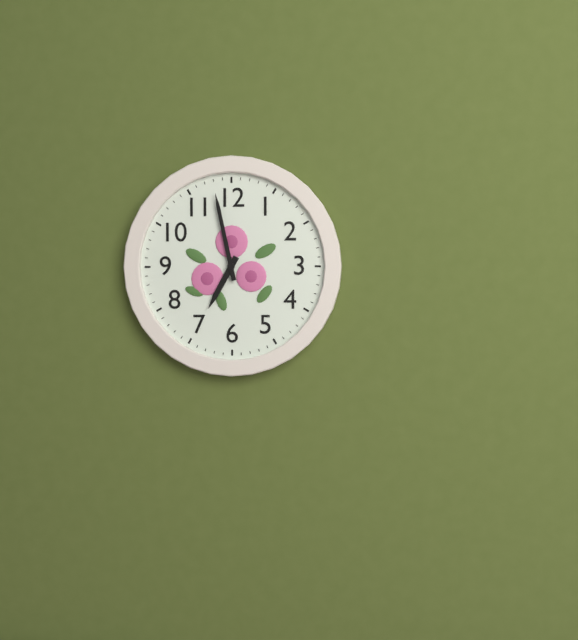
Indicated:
6.58
